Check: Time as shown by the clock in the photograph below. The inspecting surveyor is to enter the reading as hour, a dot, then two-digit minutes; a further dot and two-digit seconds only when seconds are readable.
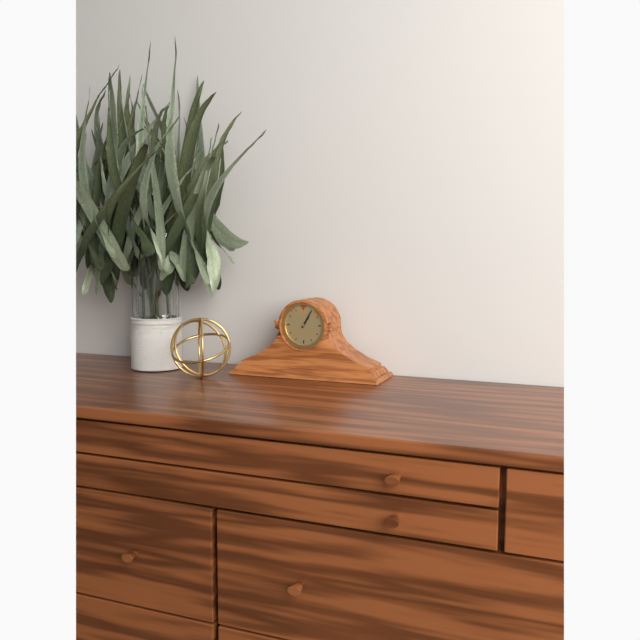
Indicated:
1.05
